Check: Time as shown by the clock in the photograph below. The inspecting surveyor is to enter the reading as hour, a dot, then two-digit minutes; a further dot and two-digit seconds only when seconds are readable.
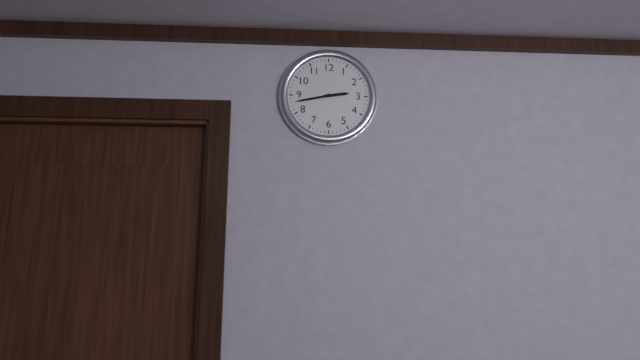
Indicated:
2.43
